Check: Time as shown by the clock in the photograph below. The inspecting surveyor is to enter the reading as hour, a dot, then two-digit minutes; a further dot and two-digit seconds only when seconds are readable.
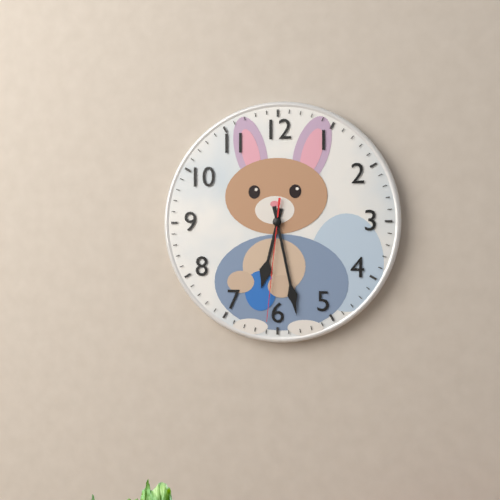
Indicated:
6.28.31
